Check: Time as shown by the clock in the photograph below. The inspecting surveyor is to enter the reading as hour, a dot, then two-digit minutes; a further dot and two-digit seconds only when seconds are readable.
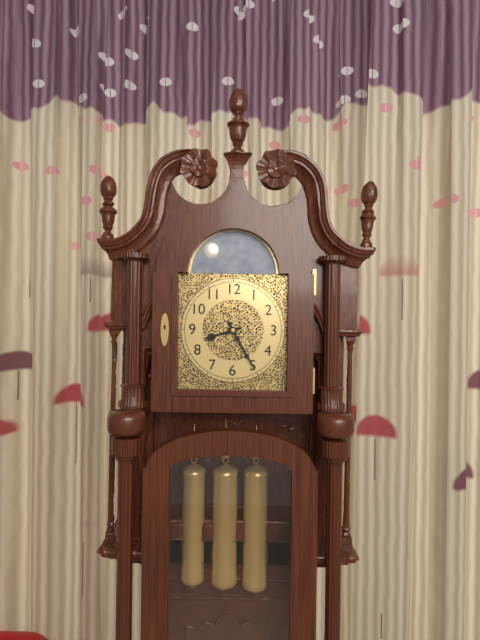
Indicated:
8.25
